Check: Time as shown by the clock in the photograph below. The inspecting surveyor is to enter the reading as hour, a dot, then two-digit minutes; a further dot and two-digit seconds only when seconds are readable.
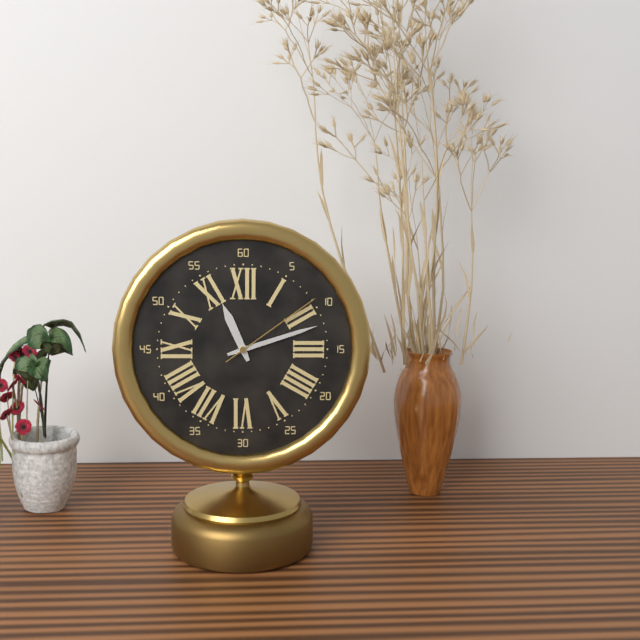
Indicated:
11.12.09
